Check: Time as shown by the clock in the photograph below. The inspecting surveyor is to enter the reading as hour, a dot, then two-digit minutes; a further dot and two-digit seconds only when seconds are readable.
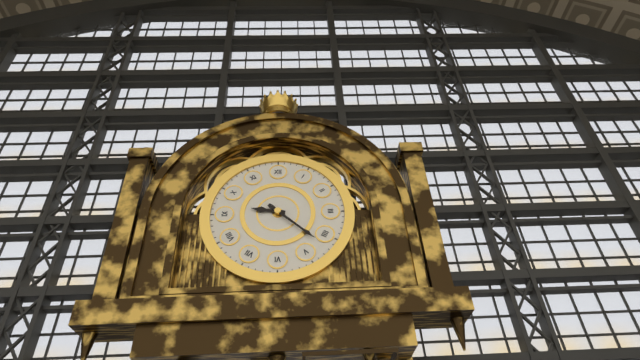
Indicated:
9.22
